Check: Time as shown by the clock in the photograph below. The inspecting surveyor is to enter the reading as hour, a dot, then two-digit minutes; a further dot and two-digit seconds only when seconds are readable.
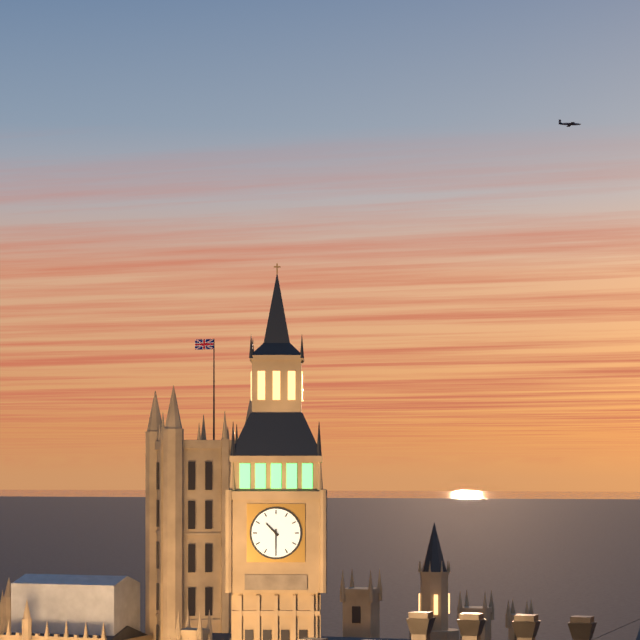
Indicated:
10.30
